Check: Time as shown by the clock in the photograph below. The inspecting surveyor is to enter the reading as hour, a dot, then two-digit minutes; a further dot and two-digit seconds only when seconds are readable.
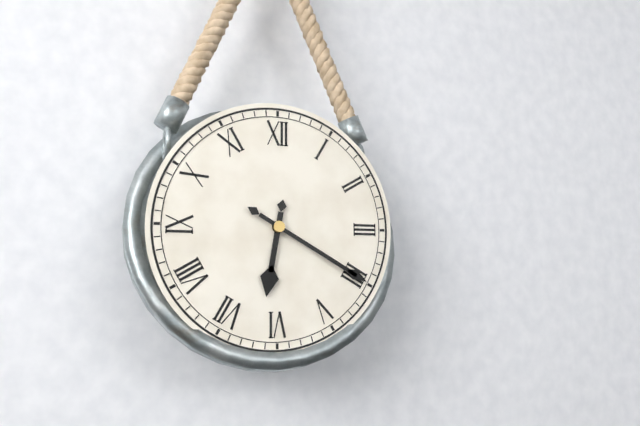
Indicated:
6.20
